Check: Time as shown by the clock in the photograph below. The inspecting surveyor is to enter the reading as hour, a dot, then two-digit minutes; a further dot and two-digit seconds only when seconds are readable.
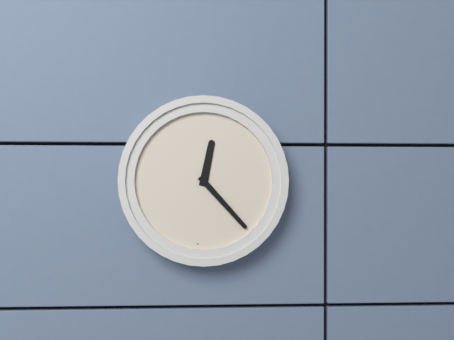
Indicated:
12.23
